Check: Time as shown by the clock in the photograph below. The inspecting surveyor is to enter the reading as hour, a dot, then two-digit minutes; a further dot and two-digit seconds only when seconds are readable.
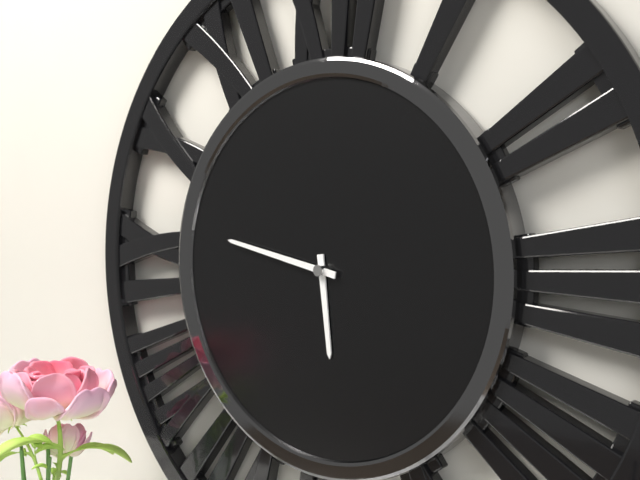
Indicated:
5.47
